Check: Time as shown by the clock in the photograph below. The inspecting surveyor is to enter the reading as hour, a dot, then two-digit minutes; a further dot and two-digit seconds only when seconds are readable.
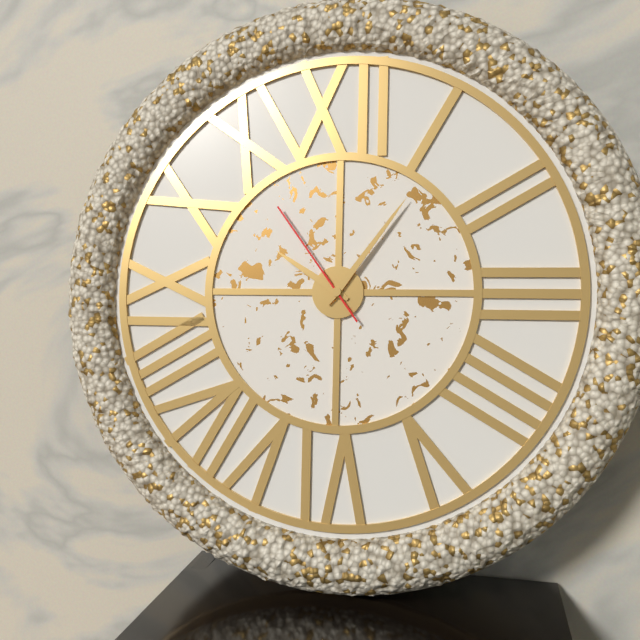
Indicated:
10.06.54
